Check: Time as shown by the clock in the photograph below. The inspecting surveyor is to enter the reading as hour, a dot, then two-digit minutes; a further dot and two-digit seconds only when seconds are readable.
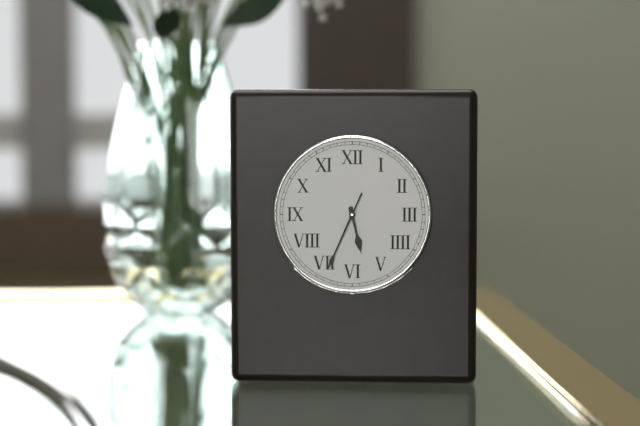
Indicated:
5.34
